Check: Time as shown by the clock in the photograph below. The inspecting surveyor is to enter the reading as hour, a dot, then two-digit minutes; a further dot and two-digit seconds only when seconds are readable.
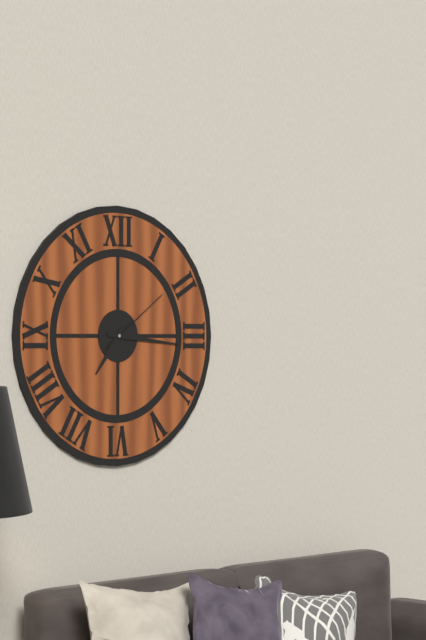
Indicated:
7.16.09
